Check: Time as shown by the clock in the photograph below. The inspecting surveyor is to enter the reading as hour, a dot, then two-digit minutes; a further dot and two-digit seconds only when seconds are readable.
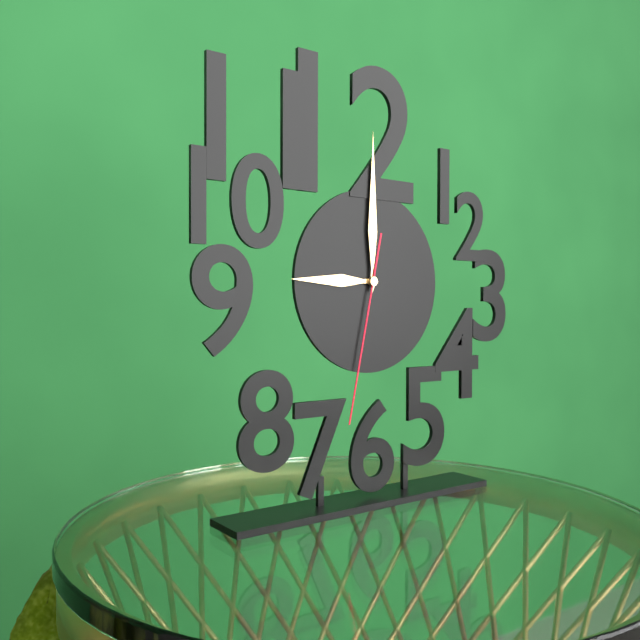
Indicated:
9.00.32
